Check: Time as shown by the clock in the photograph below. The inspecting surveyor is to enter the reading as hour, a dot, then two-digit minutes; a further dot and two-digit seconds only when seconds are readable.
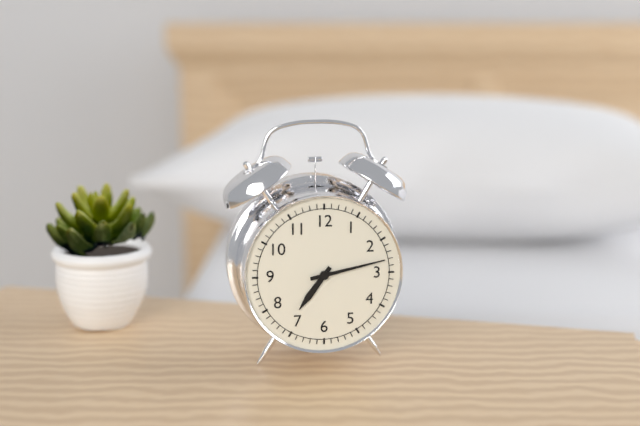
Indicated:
7.13
